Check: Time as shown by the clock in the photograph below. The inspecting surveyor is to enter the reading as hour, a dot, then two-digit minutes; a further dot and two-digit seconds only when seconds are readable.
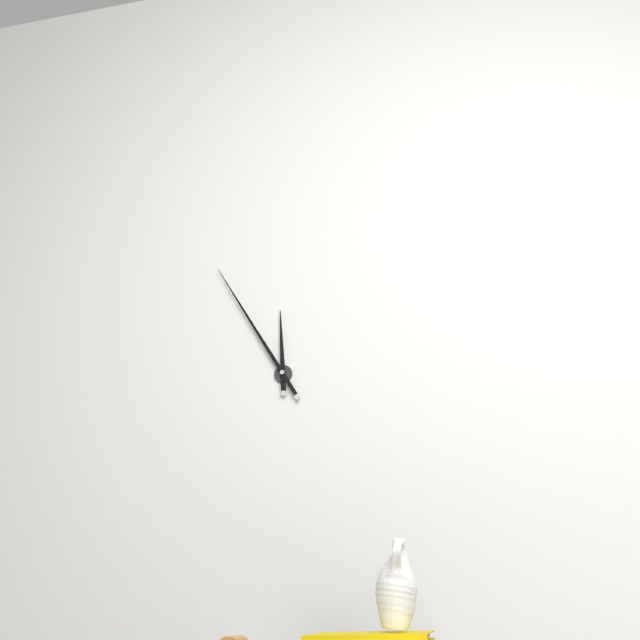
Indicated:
11.55
